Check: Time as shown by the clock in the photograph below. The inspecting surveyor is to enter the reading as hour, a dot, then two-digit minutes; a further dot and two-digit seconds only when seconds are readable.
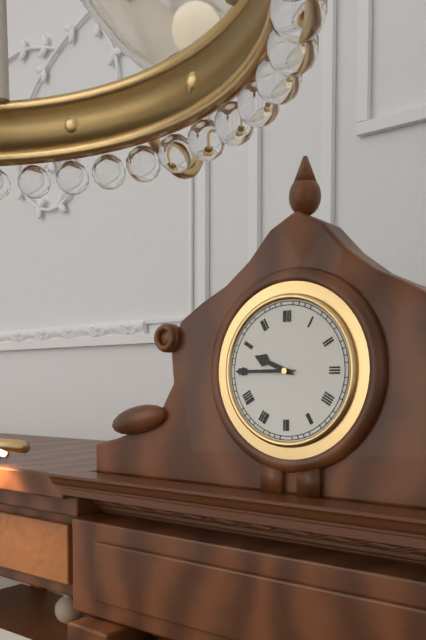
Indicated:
9.45
